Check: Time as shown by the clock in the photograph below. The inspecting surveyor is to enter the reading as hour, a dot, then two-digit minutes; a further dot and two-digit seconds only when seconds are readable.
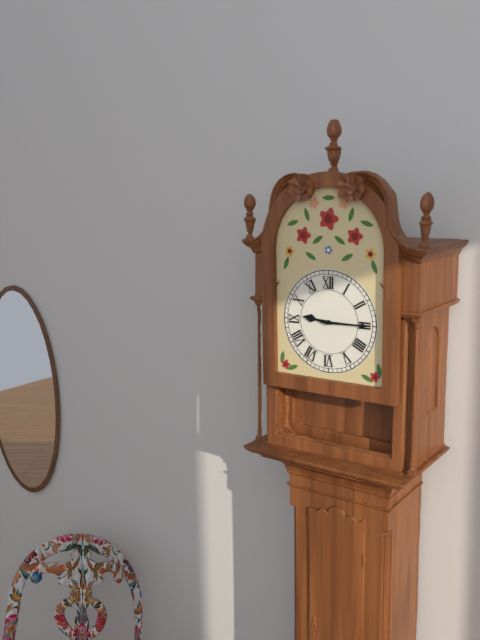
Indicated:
9.15
